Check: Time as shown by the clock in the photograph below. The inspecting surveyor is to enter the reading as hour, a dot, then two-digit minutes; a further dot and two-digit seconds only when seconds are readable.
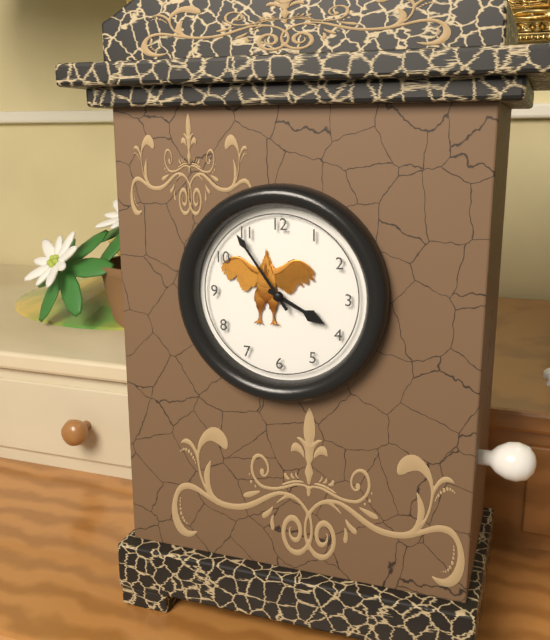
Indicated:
3.54
